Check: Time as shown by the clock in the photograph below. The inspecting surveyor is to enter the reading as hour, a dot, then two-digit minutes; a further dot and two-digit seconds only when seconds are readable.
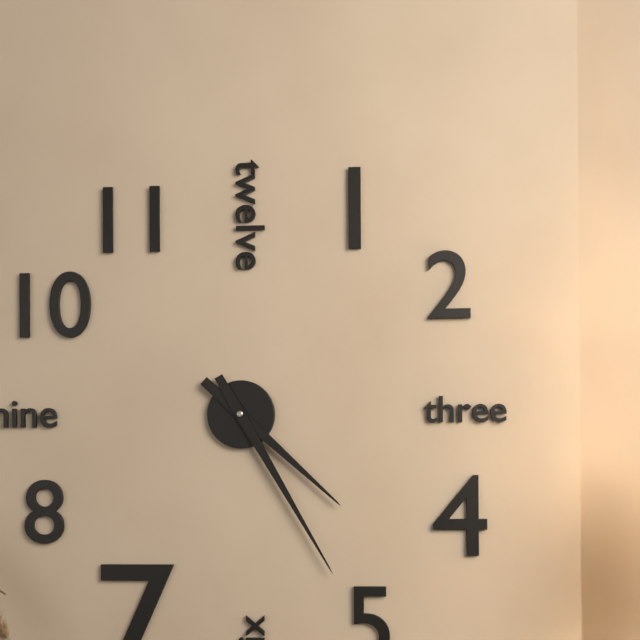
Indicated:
4.25
